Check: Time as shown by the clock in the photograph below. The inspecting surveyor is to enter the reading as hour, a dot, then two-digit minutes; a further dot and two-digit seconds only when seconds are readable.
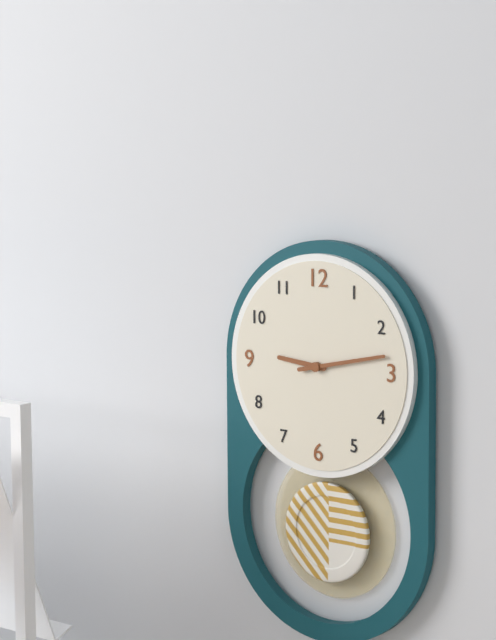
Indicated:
9.13
